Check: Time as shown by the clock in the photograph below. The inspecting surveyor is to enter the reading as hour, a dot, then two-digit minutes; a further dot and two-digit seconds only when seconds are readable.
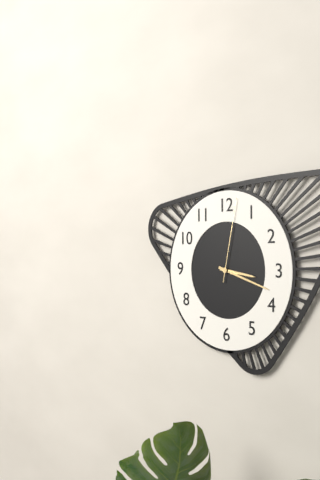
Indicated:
3.18.02
